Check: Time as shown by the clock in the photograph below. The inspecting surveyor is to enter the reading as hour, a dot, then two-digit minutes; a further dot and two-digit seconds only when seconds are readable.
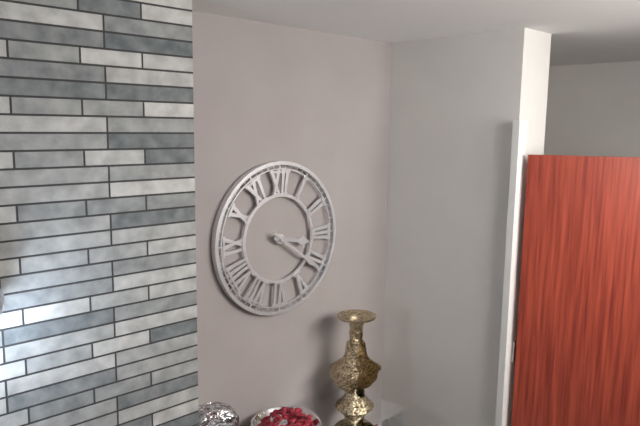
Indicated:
3.21
